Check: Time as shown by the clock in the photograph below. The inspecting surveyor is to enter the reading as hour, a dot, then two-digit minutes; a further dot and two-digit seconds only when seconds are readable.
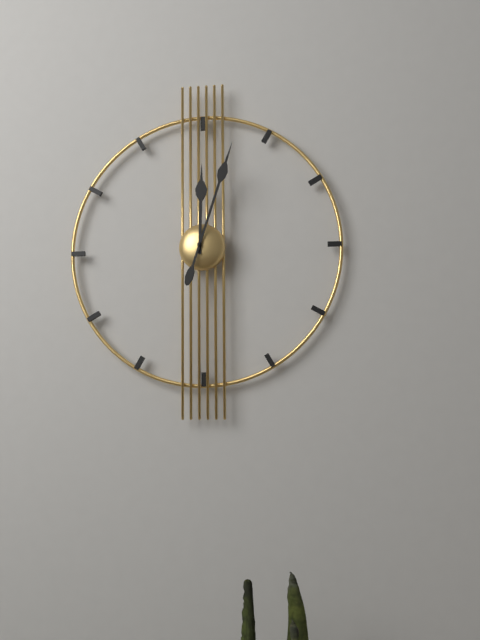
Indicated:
12.03
